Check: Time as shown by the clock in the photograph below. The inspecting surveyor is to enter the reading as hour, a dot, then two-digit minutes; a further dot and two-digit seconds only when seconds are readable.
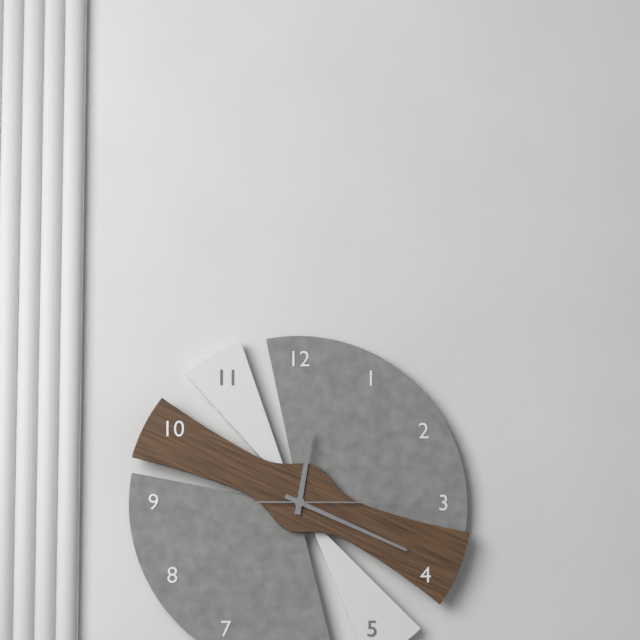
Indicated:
12.19.15
